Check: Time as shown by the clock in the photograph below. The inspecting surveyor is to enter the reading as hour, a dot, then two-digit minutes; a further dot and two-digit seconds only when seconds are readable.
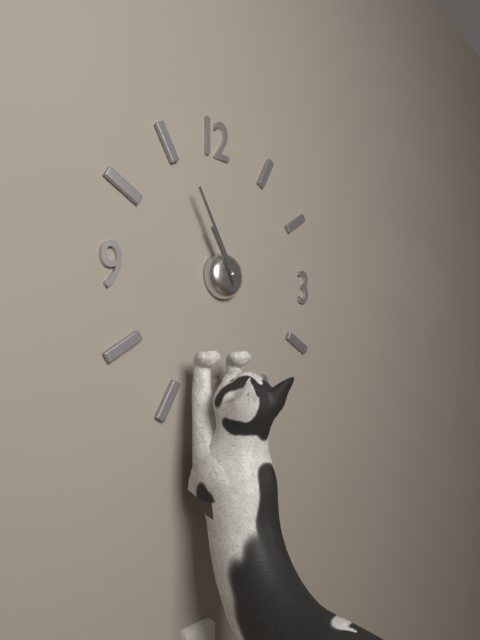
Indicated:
10.55
